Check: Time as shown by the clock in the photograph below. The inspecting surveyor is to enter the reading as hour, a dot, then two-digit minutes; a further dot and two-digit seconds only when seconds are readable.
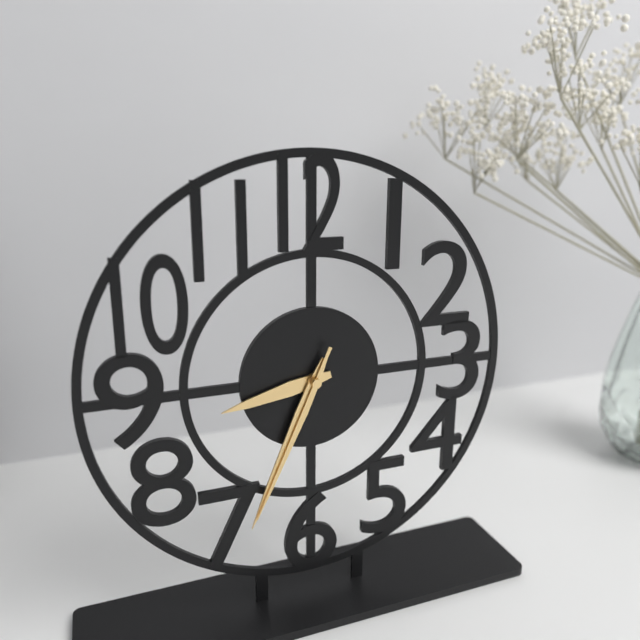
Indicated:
8.34.34
